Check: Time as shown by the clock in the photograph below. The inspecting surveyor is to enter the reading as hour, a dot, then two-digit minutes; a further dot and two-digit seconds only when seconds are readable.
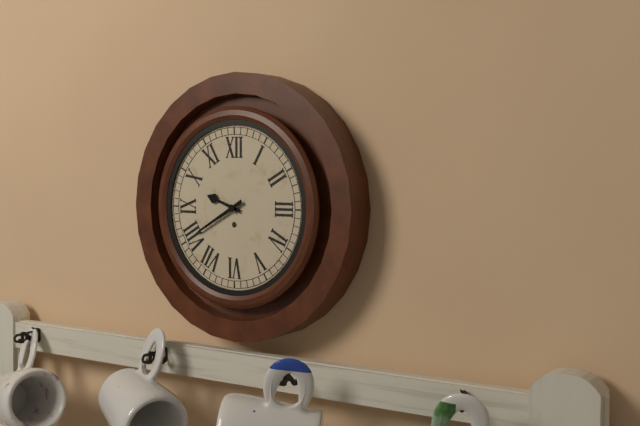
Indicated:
9.40
